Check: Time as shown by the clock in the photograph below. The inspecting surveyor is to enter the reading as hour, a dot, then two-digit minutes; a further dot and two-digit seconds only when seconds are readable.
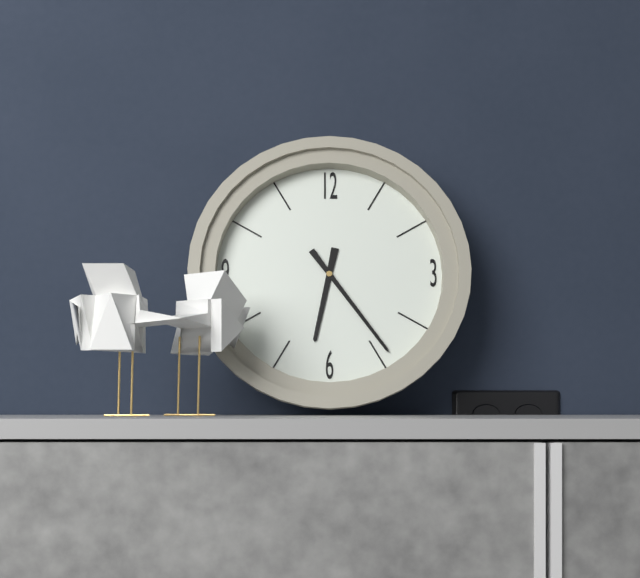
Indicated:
6.24
